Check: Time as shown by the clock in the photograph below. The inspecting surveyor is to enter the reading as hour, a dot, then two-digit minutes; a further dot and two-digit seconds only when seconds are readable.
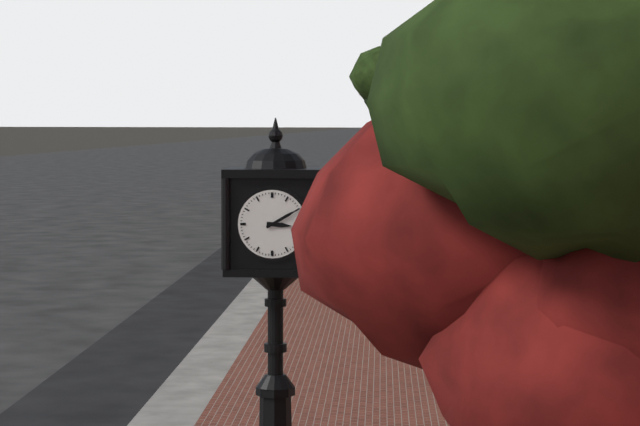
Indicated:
3.10
